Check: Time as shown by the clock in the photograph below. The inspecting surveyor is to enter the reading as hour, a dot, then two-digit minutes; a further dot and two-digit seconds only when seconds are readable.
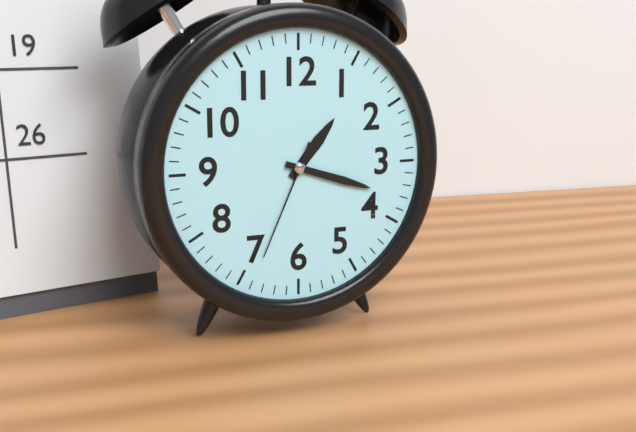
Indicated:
1.18.34
